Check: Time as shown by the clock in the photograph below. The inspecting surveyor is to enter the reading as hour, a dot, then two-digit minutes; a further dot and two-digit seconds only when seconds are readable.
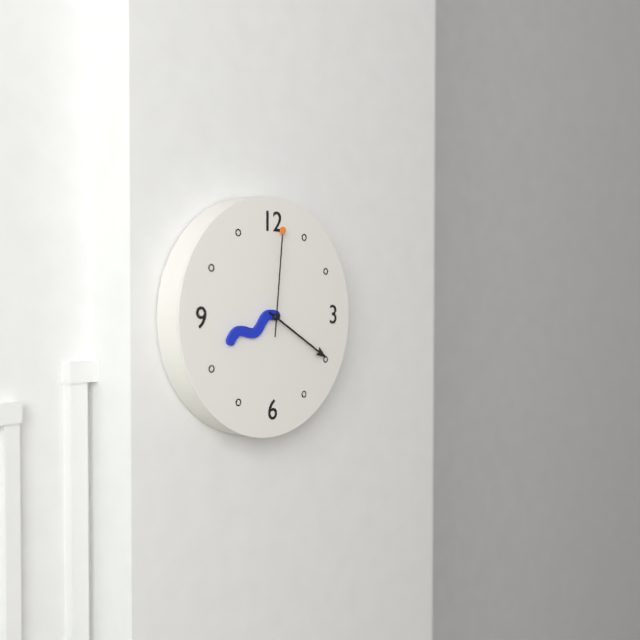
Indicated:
8.20.01
